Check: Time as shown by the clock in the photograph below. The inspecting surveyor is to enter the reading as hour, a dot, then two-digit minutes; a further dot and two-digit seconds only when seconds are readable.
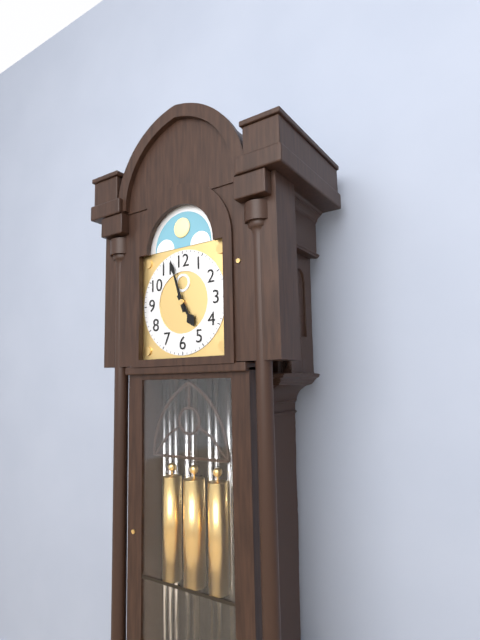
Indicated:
4.57
